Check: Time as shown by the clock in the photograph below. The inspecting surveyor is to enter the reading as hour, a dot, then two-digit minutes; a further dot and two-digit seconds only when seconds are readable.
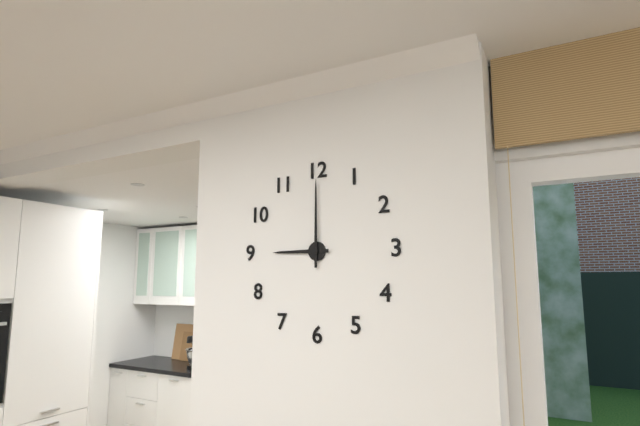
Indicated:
9.00
